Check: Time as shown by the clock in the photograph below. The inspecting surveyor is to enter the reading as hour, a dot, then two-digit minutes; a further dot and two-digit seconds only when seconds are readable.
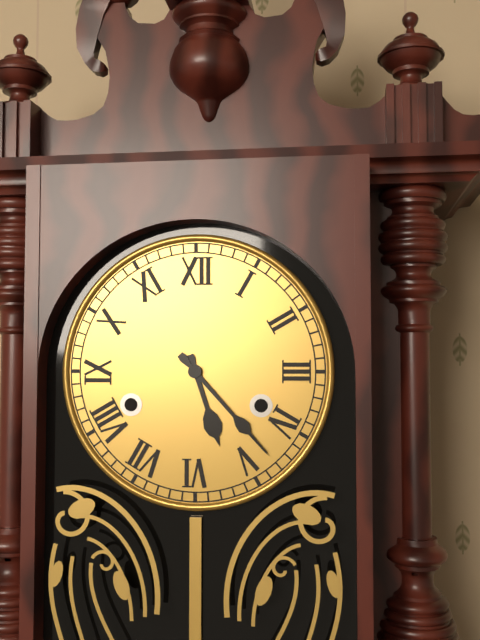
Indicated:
5.23
